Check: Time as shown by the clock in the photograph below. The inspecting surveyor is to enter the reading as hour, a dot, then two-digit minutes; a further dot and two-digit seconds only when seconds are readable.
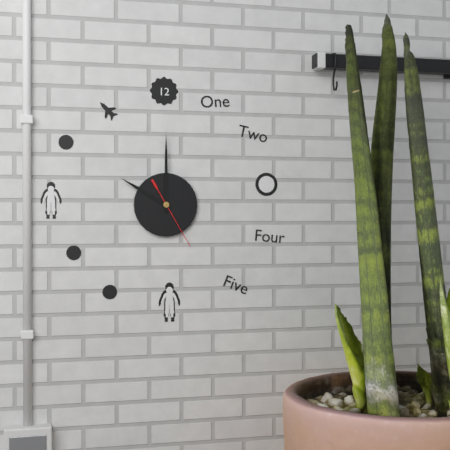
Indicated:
10.00.25
